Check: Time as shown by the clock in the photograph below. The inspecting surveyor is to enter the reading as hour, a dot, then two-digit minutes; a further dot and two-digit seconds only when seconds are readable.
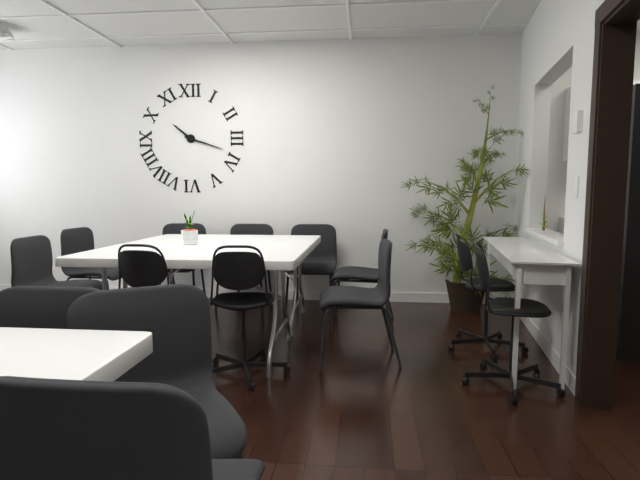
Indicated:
10.18
